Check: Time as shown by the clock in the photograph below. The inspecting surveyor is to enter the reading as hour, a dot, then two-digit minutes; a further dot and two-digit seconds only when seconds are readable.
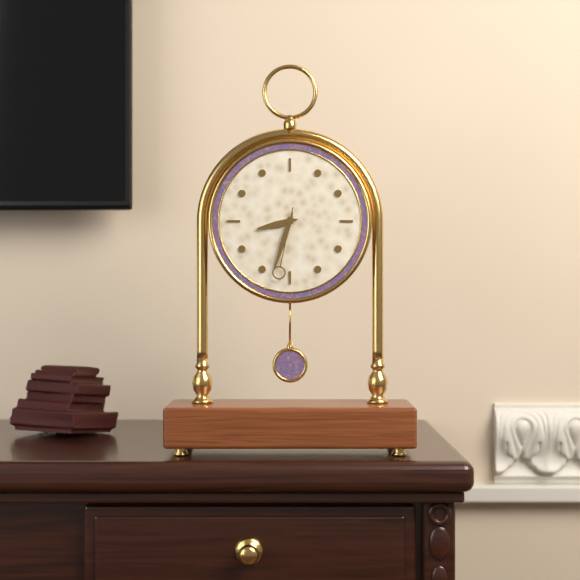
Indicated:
8.33.32
